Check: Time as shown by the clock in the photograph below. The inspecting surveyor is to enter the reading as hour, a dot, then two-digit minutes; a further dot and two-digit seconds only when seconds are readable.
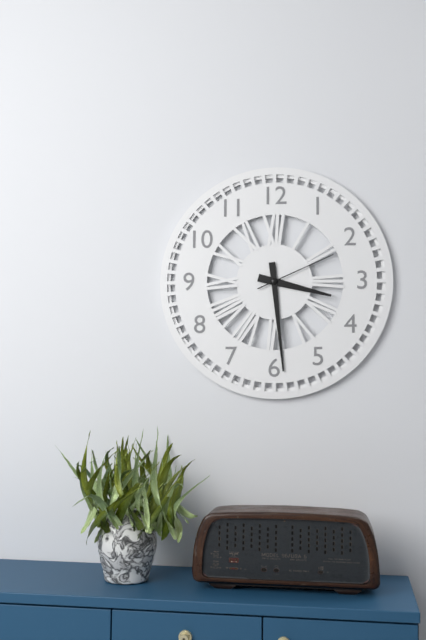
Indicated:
3.29.11
